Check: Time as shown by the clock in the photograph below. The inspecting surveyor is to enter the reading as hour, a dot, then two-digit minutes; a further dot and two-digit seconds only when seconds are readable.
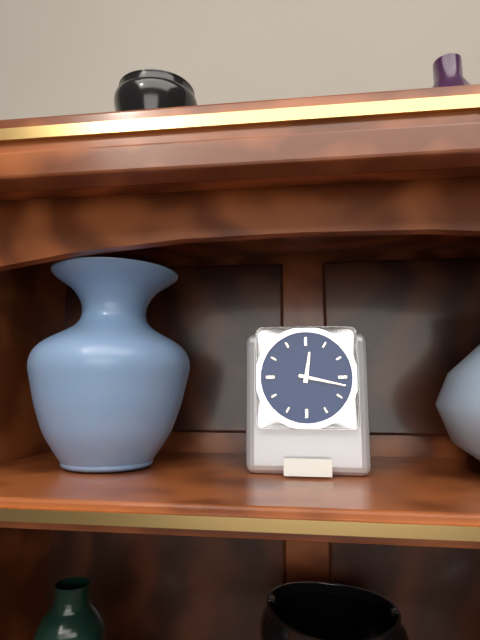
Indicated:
12.17
